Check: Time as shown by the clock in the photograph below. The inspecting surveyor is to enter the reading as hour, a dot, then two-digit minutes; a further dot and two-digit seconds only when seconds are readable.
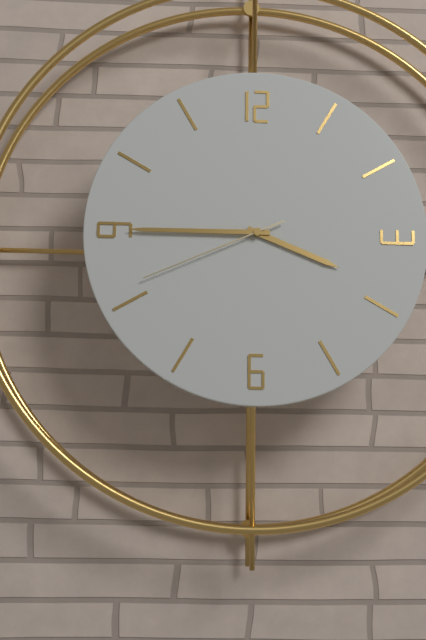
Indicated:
3.45.41
